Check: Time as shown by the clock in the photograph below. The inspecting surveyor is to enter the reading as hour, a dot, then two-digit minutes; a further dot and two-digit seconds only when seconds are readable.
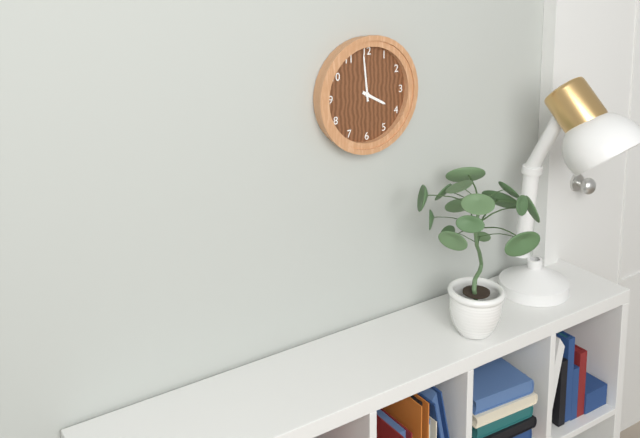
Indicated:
3.59
